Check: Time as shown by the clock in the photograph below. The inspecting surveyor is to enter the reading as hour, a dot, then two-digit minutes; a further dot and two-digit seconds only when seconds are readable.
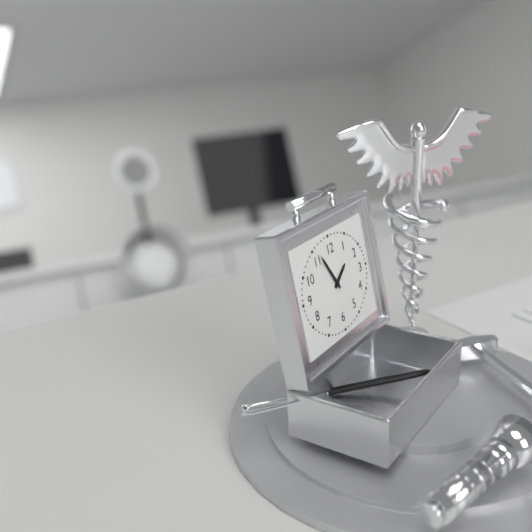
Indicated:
1.55
